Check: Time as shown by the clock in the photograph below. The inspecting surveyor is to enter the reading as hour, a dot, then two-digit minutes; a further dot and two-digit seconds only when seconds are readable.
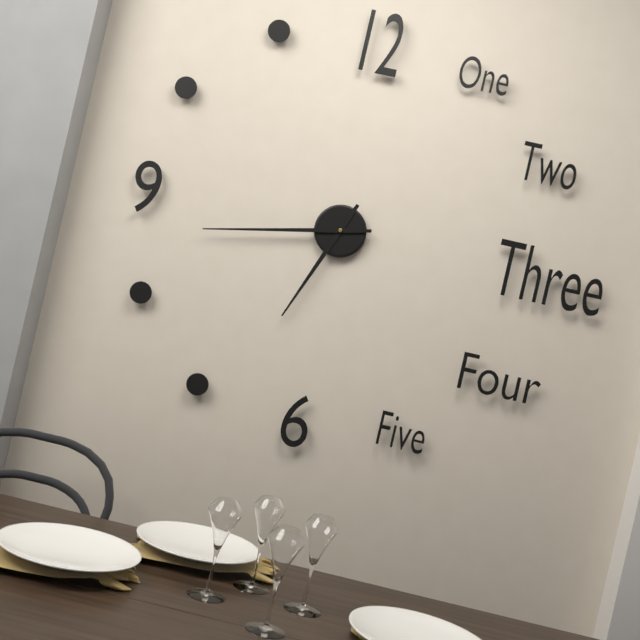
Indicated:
6.43
